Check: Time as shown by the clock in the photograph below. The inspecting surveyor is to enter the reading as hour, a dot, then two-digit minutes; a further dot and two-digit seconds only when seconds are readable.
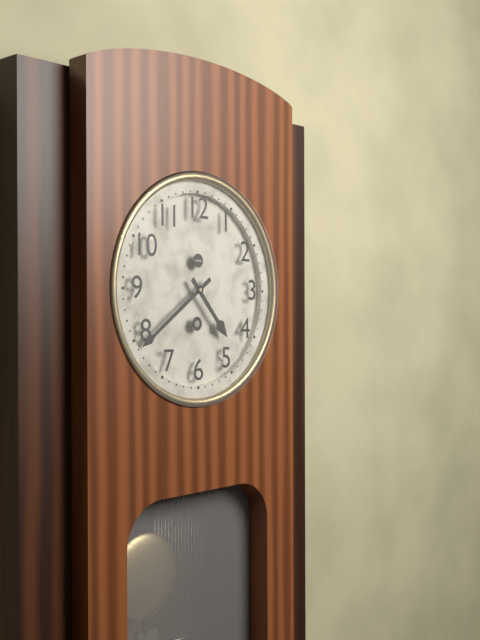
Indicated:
4.39
